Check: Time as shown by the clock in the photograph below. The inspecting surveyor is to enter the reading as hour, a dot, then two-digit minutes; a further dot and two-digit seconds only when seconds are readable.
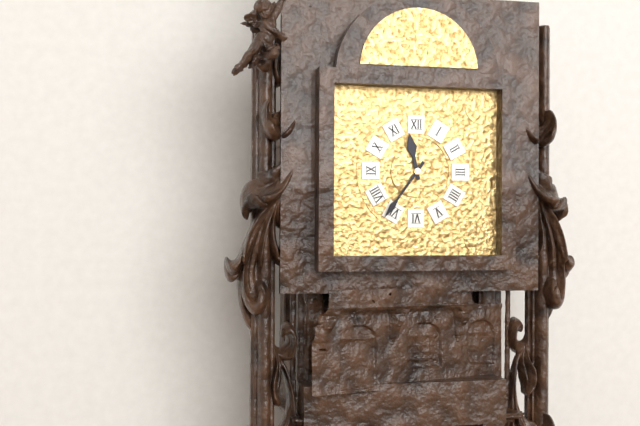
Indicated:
11.36
